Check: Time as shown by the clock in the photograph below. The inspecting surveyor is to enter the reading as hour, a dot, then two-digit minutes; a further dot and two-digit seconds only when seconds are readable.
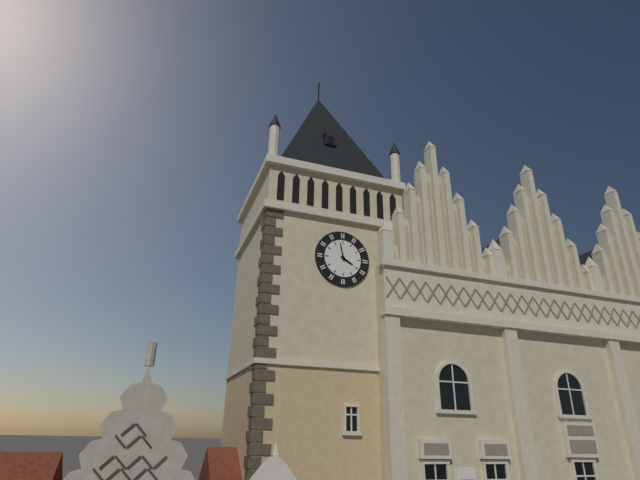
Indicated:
3.58
